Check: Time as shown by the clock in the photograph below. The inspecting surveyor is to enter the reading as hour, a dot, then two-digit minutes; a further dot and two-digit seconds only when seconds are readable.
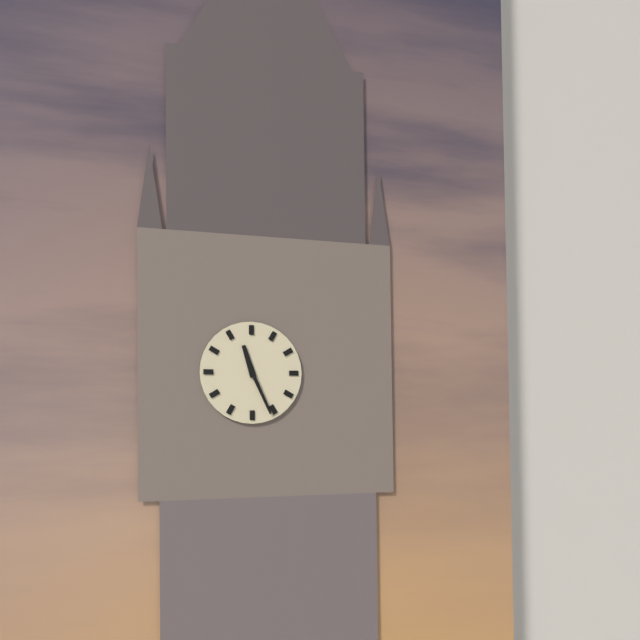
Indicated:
11.26
